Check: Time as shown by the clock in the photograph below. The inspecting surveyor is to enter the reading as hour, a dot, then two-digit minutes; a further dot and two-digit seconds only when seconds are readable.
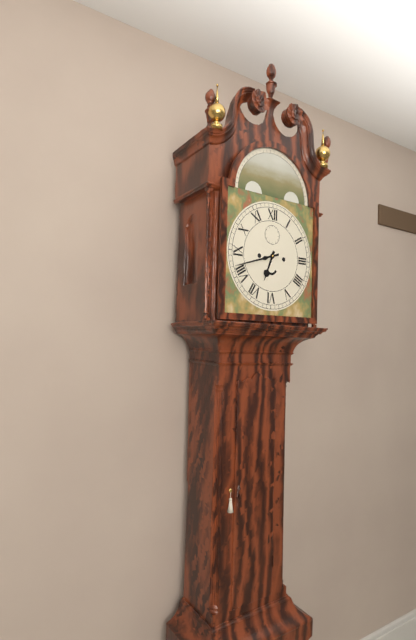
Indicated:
6.42
